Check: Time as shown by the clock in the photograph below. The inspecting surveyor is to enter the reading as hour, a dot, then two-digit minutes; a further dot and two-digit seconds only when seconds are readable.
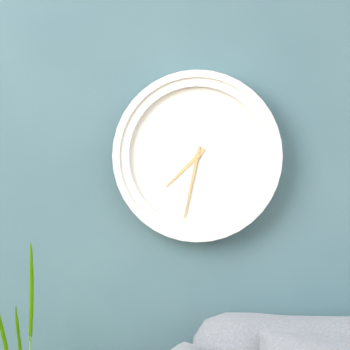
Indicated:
7.32
